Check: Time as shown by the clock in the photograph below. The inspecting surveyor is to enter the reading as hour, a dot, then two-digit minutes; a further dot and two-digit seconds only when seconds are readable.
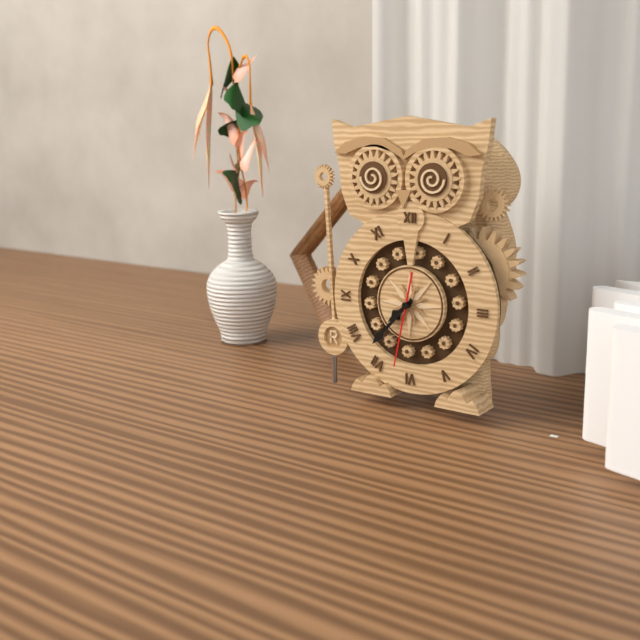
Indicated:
7.37.32
